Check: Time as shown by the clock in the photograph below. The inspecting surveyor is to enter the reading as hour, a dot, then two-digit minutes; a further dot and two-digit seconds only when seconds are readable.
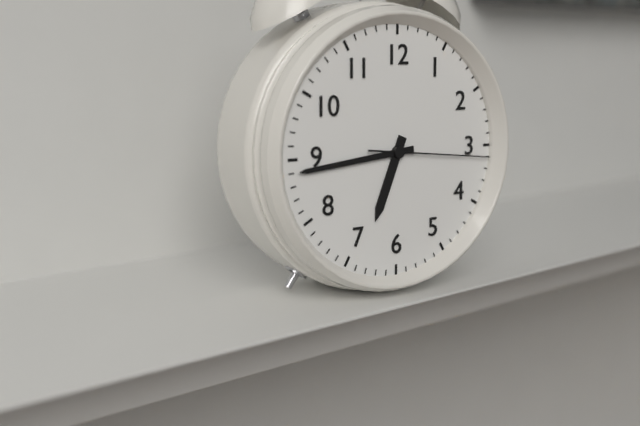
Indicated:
6.44.16
